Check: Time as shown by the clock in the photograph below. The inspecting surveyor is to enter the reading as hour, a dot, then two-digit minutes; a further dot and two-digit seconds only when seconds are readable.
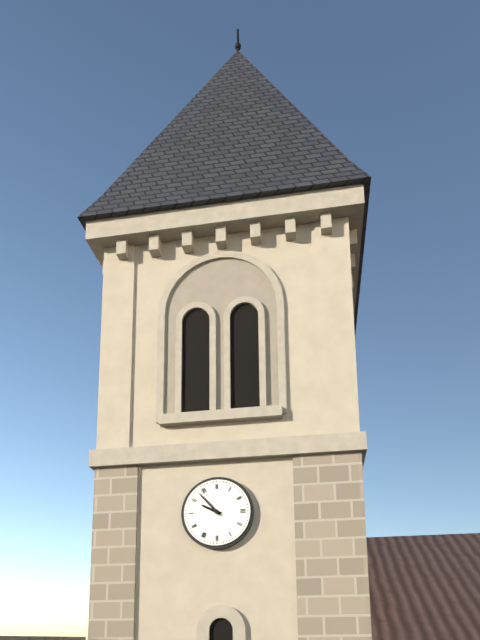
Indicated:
9.53
